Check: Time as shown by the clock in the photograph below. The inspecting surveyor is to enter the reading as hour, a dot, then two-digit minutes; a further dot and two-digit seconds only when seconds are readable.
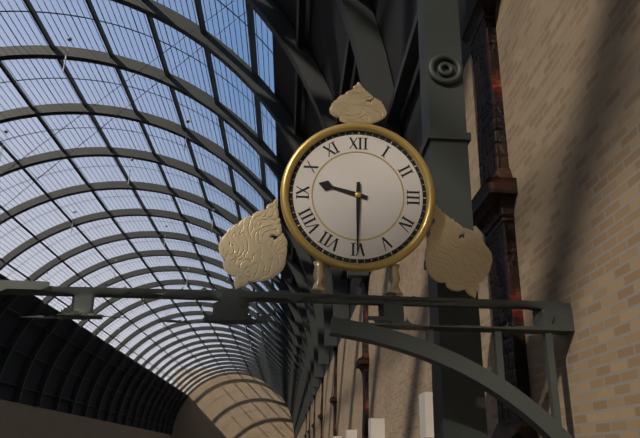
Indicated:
9.30
